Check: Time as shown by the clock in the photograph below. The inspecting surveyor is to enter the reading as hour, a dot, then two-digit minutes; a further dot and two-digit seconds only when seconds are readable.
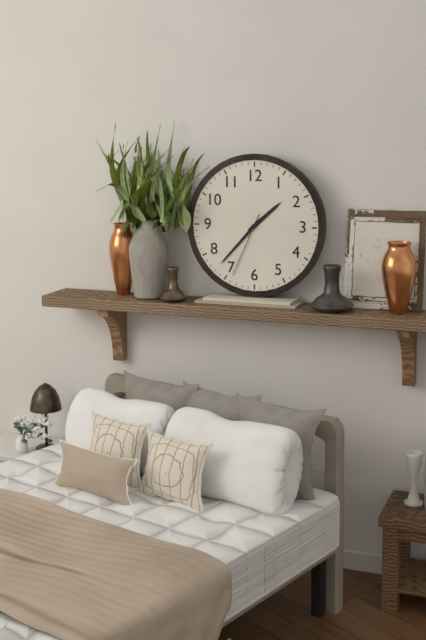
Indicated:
1.37.34
